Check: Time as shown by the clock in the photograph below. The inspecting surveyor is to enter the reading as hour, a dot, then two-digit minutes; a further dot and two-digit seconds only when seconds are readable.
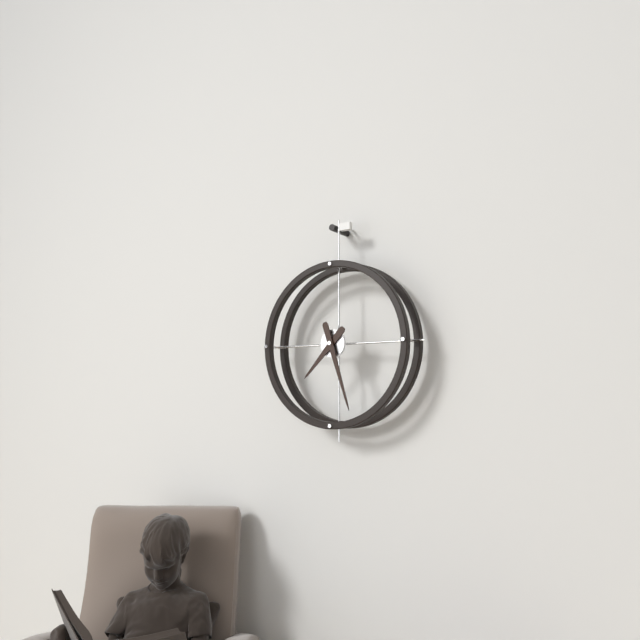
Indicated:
7.27
